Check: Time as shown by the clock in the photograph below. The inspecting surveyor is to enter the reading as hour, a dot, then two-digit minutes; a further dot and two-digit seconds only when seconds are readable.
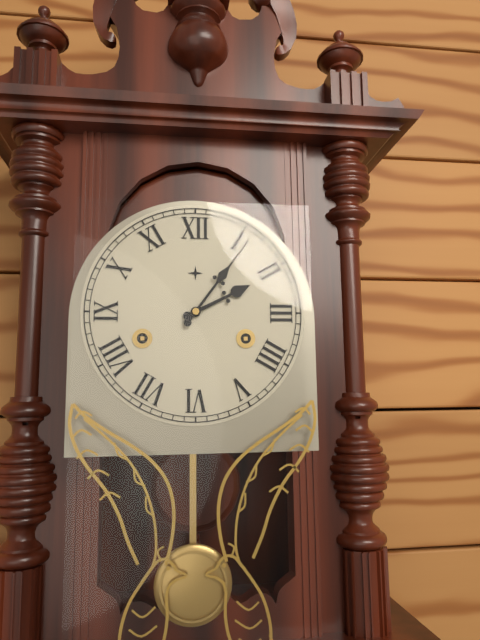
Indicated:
2.06
